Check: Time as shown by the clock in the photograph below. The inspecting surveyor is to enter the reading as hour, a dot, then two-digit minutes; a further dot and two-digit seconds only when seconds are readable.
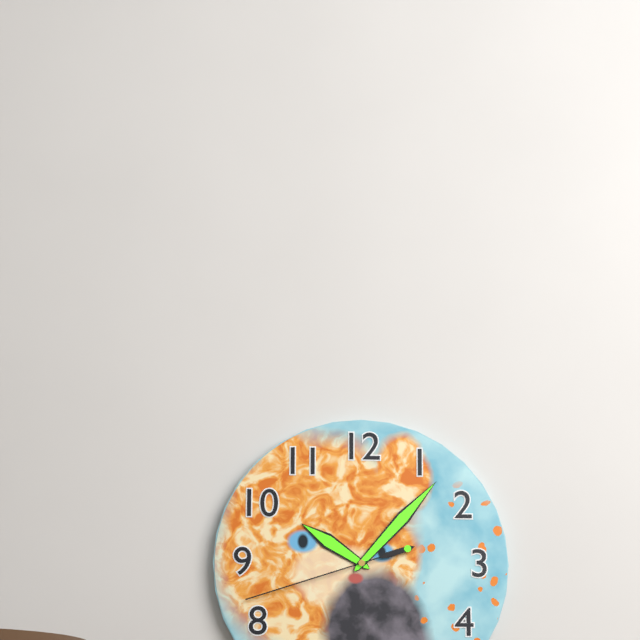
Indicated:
10.07.42
